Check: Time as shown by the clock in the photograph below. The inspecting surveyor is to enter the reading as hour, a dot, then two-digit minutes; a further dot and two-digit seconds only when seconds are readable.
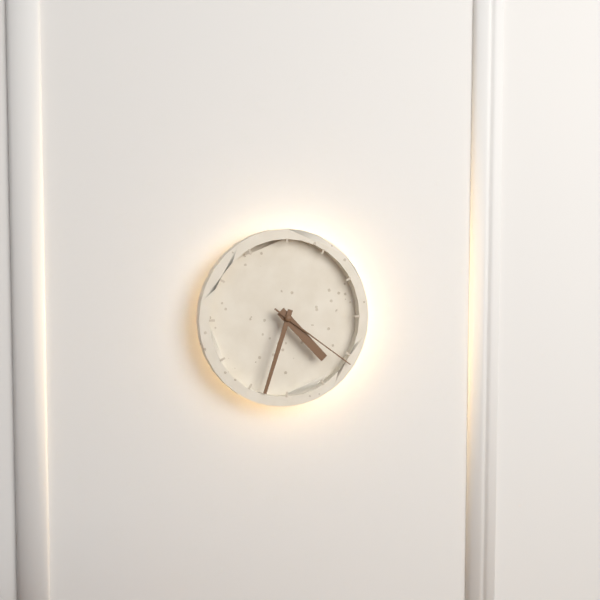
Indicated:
4.33.21
